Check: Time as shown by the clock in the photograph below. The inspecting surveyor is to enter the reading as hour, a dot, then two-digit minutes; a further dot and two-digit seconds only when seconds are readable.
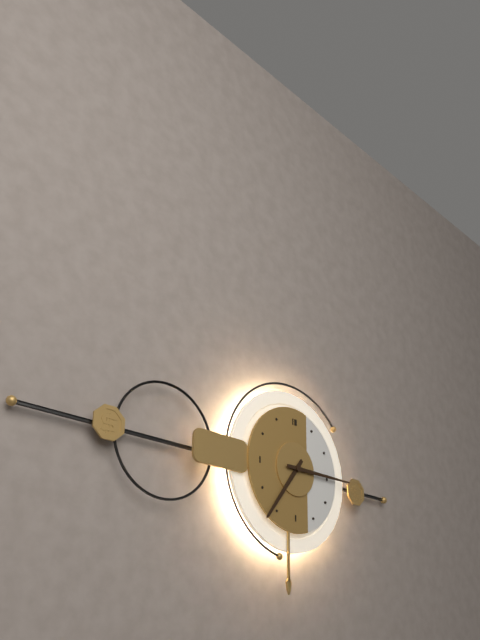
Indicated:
7.15
